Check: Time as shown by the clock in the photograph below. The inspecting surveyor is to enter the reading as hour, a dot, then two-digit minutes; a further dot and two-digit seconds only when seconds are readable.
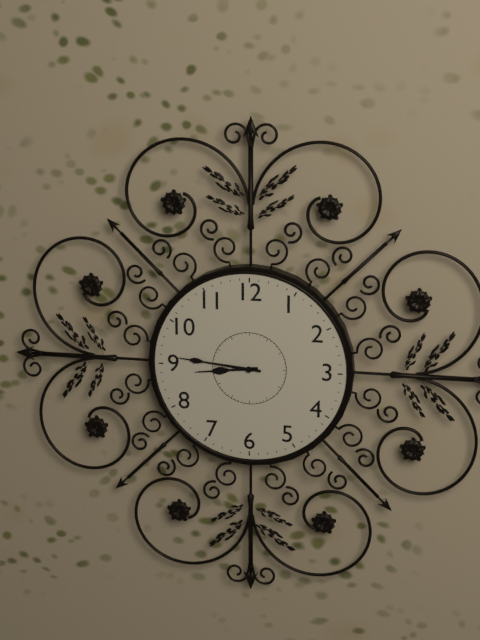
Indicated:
8.46
